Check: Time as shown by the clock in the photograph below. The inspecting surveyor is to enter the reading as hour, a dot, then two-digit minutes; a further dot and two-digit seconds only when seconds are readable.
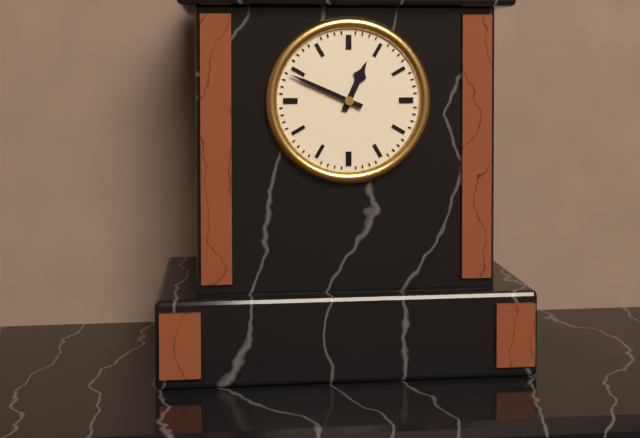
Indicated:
12.49
